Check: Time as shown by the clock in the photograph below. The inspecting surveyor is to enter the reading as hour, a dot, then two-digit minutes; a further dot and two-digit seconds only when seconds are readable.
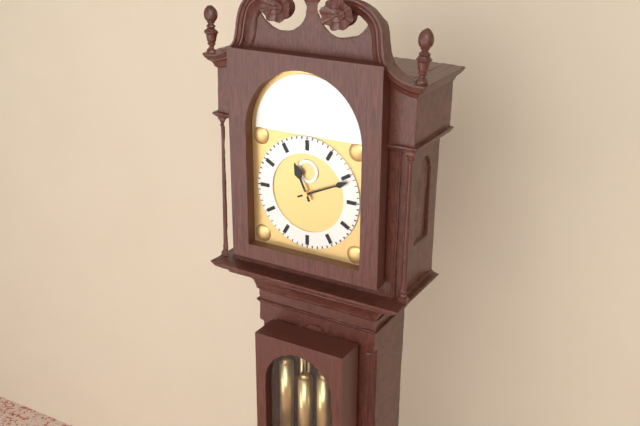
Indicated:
11.11
